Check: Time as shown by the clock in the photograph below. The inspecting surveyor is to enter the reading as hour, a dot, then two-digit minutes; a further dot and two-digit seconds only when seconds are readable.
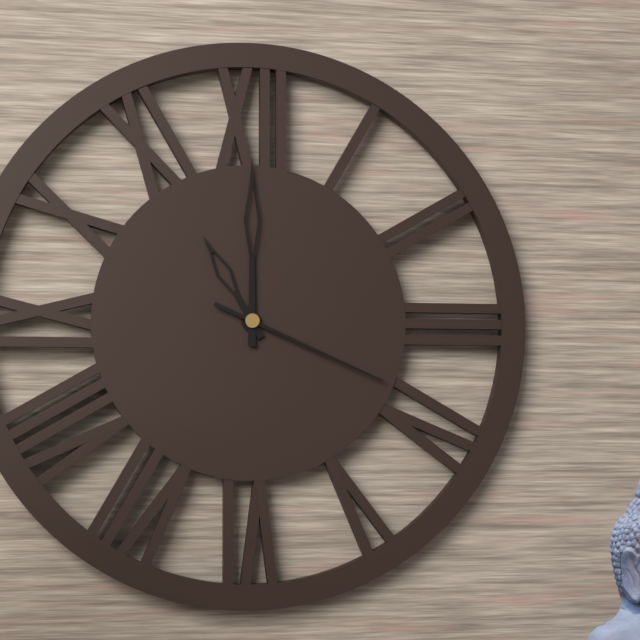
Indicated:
11.00.19
